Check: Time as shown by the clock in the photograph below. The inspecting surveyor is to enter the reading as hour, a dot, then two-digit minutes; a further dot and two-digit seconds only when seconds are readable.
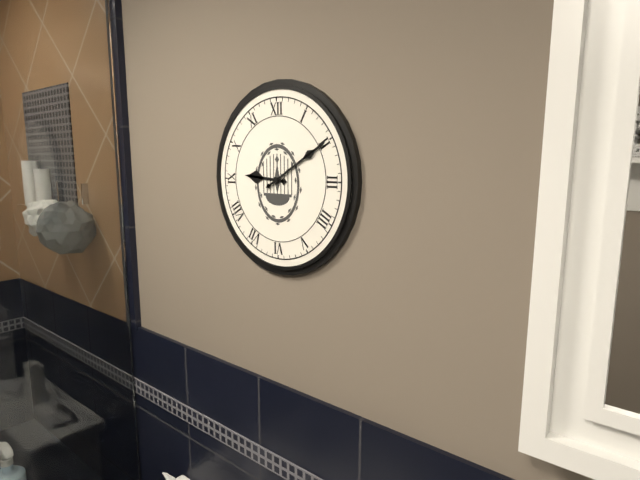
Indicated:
9.10
